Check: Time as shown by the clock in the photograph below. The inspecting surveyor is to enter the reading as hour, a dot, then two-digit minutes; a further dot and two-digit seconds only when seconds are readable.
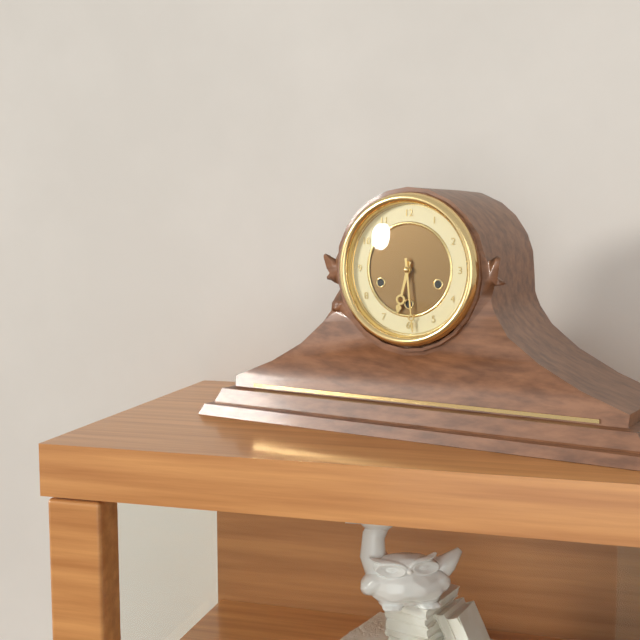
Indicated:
6.29
